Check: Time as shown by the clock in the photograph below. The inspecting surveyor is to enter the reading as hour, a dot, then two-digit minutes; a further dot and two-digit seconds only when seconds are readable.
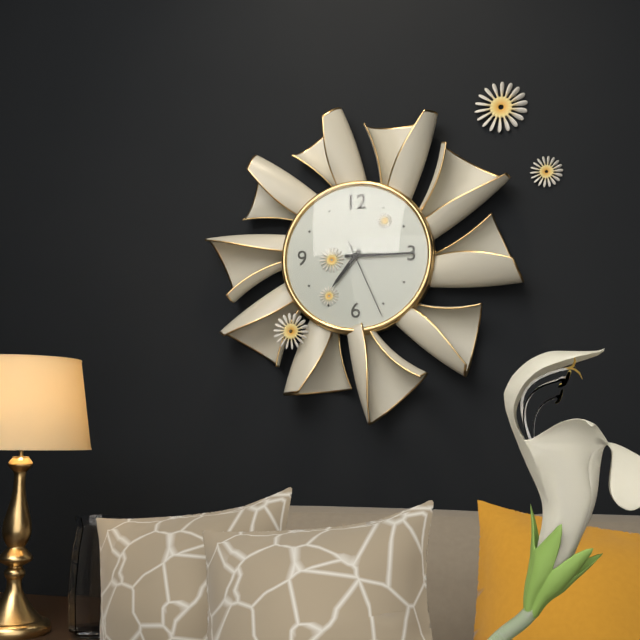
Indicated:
7.15.26
